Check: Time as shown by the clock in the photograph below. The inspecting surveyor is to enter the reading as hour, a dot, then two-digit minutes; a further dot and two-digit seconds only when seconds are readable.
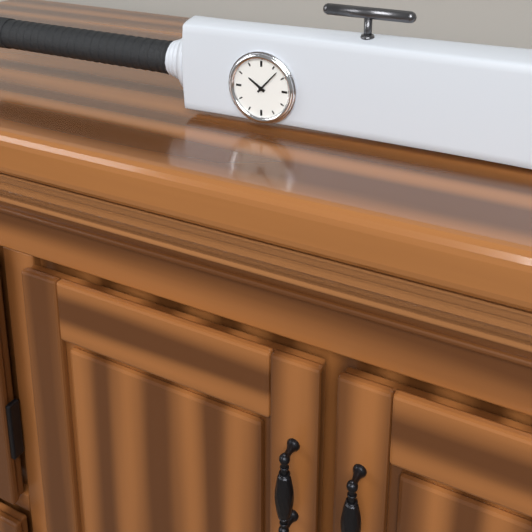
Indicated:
10.07
